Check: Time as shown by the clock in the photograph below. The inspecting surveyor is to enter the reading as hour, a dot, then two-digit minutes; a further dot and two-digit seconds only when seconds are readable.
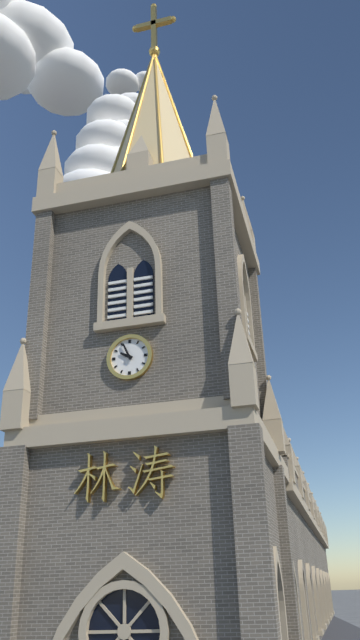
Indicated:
9.56
